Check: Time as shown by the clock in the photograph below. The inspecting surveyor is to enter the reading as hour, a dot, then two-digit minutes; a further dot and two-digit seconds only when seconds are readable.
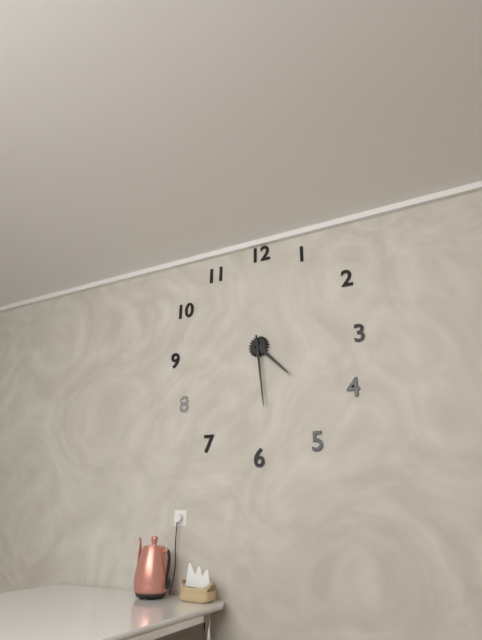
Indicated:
4.29
